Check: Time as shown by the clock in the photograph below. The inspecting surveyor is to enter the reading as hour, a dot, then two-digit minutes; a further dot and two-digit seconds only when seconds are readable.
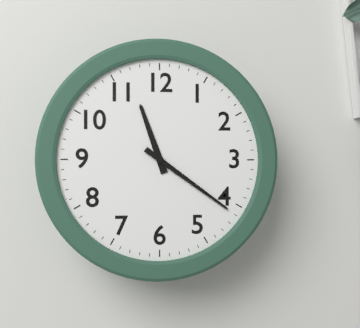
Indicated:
11.21
